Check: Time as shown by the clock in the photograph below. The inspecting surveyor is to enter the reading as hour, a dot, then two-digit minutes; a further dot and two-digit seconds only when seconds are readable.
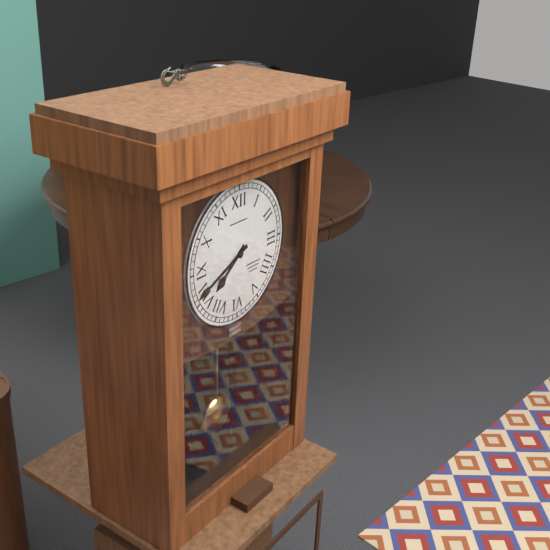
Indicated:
7.41
